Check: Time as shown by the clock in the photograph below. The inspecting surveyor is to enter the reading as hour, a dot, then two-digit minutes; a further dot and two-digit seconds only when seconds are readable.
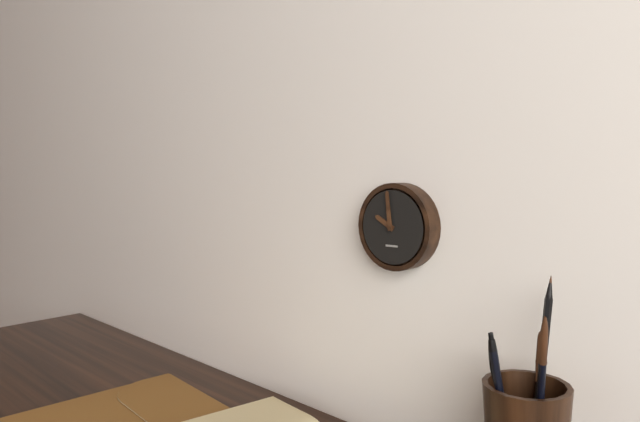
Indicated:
9.59
